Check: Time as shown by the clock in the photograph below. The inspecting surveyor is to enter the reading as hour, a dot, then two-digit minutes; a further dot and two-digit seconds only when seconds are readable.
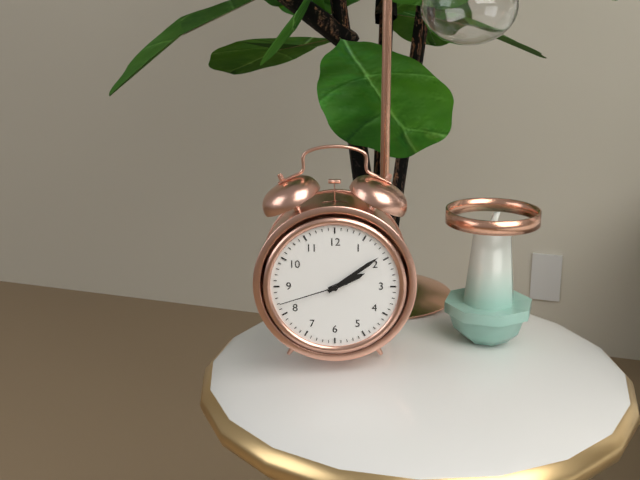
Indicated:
2.09.42
